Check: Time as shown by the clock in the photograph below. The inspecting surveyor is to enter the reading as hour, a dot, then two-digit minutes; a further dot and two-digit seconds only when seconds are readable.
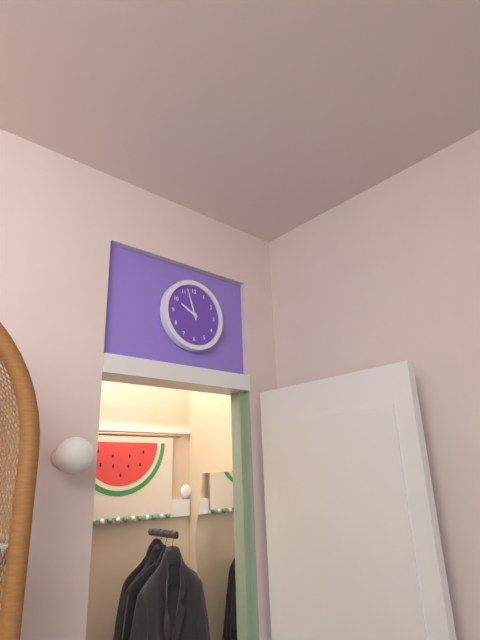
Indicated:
9.57
